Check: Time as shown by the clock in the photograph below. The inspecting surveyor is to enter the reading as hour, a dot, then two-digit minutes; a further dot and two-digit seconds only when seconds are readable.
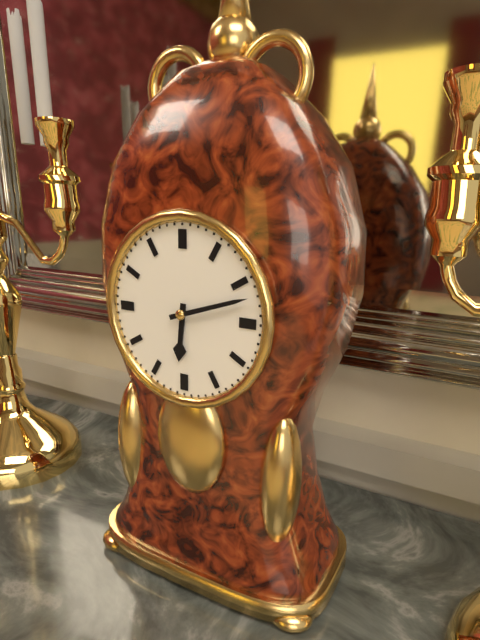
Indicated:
6.12
